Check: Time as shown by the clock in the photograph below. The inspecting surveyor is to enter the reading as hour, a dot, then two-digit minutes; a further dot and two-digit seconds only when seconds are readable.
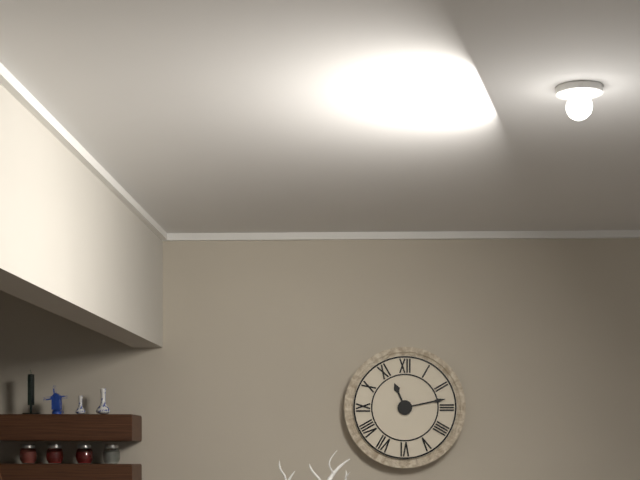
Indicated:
11.13
